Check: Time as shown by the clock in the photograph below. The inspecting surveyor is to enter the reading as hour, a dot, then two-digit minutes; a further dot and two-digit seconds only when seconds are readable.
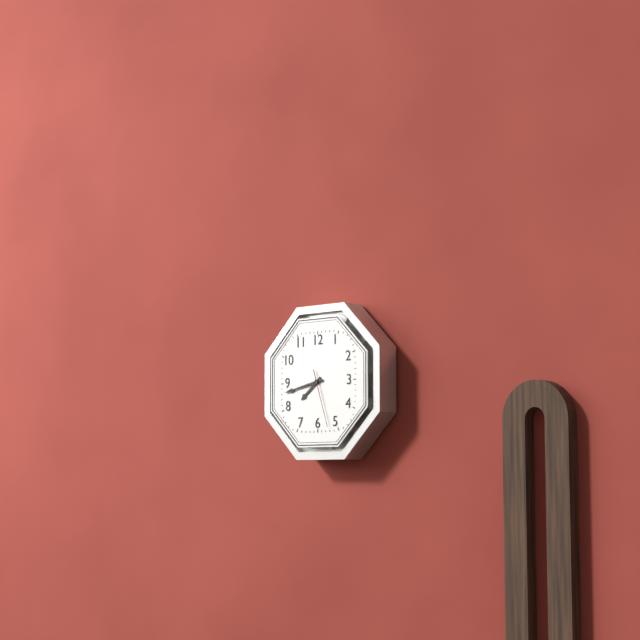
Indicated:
7.43.27
